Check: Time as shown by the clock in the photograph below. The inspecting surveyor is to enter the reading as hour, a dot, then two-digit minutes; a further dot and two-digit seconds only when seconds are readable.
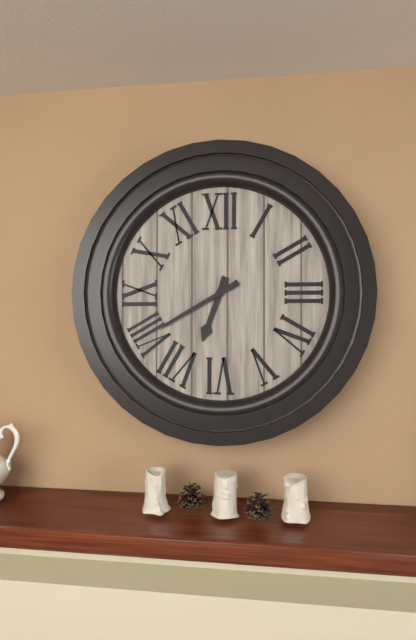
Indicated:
6.40
